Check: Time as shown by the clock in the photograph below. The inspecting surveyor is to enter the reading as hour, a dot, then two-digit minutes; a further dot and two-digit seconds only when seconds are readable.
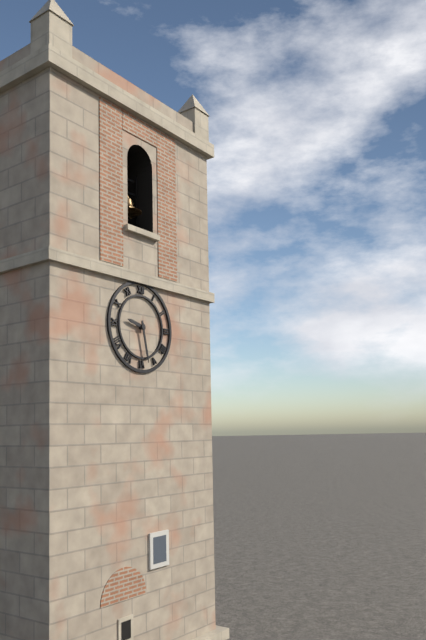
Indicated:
9.28
